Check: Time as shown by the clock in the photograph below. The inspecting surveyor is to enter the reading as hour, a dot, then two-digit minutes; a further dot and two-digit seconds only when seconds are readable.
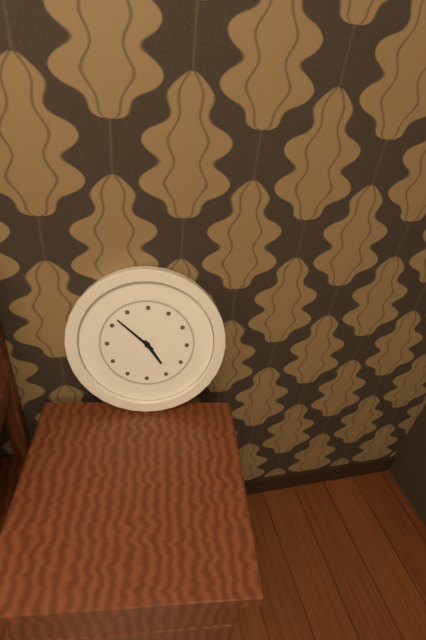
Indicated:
4.52
